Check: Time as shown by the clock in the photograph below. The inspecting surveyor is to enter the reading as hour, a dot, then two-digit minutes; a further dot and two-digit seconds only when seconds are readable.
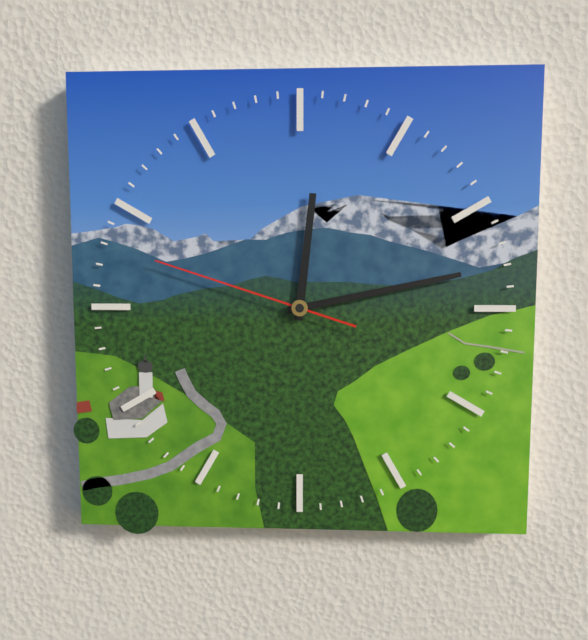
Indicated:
12.13.48
